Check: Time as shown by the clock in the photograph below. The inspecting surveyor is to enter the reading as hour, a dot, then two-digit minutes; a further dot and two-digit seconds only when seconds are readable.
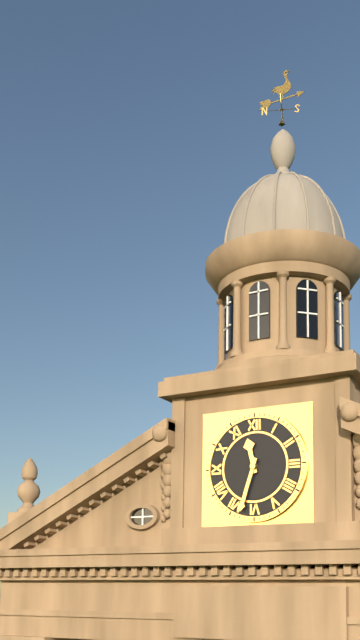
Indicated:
11.33
